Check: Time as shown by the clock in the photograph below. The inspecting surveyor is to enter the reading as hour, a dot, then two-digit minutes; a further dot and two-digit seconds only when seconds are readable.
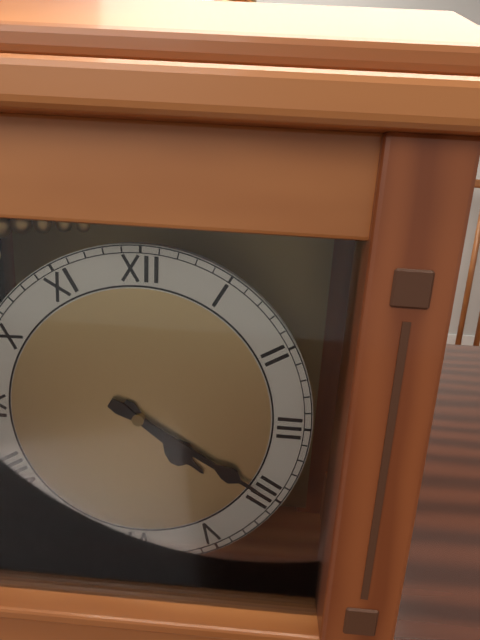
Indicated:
4.20
